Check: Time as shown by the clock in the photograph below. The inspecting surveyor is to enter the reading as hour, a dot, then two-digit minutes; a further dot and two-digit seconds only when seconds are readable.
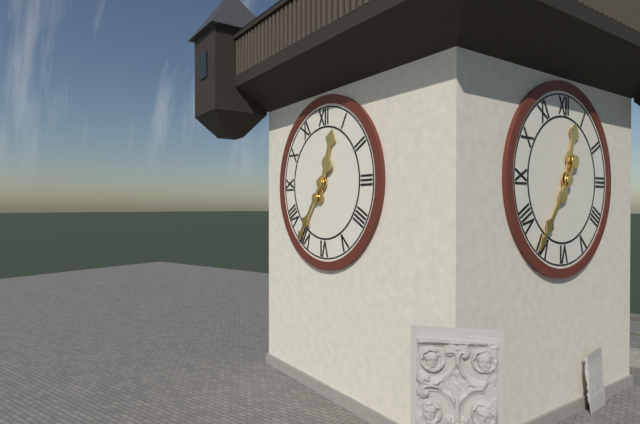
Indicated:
12.36
